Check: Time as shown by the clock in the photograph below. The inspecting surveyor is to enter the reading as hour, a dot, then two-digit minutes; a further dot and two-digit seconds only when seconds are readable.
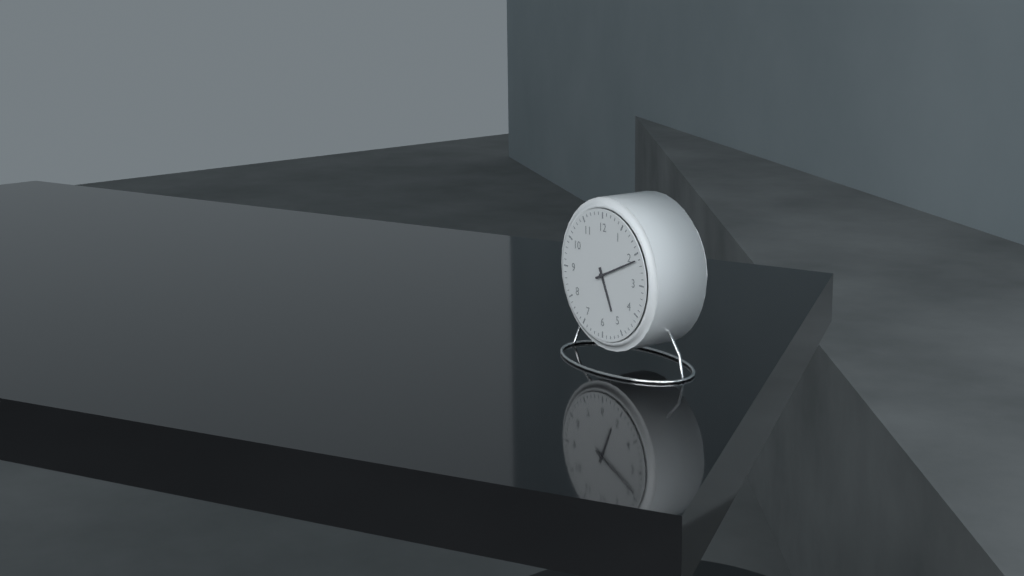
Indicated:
5.11
